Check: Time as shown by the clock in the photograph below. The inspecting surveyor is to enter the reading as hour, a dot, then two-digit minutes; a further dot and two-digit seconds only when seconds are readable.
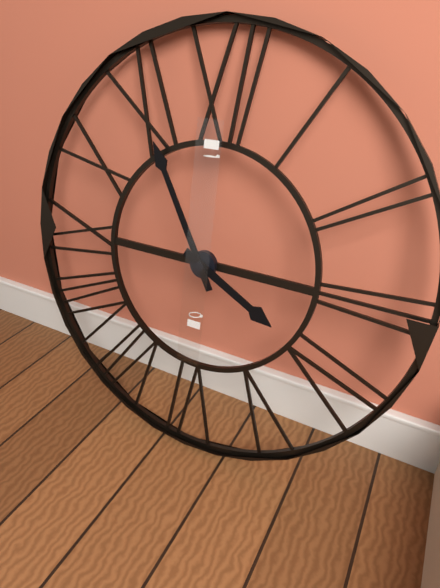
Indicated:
3.55
